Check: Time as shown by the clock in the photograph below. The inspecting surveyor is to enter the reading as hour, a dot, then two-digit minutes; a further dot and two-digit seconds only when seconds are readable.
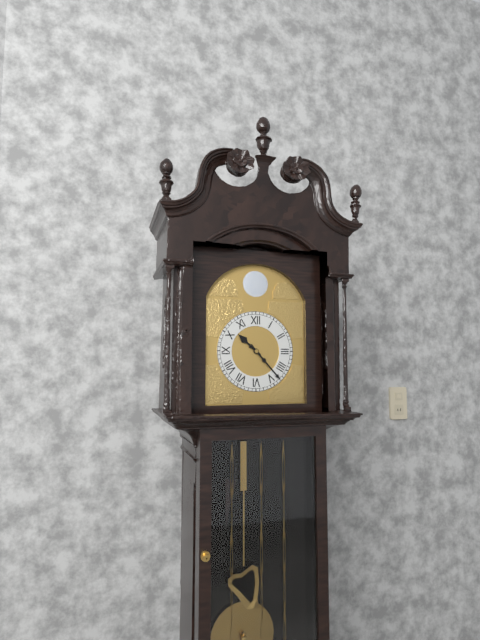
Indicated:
10.23
